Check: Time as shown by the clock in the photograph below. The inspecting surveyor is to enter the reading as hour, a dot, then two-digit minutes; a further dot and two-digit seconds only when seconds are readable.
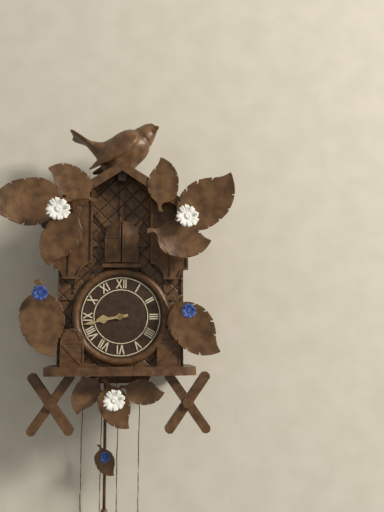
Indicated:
8.43
